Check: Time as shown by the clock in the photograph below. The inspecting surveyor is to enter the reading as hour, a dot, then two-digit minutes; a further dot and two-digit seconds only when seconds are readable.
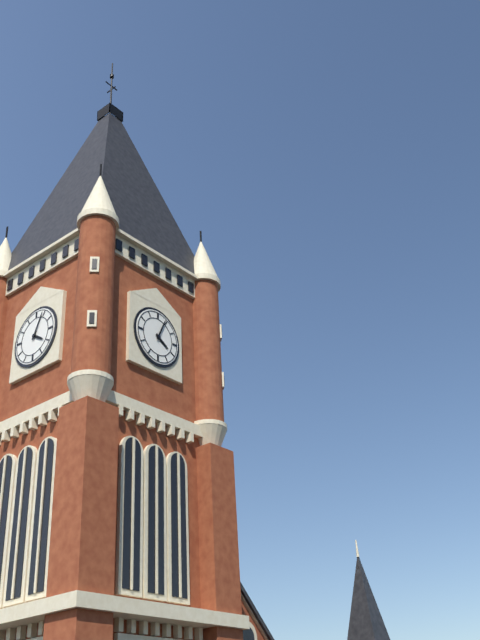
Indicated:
4.04
